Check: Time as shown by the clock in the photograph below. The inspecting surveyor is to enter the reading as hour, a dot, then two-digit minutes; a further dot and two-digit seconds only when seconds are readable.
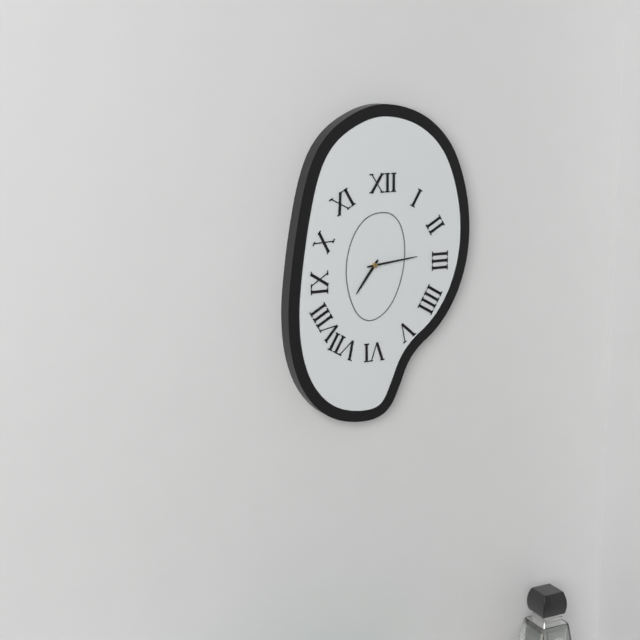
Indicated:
7.14
